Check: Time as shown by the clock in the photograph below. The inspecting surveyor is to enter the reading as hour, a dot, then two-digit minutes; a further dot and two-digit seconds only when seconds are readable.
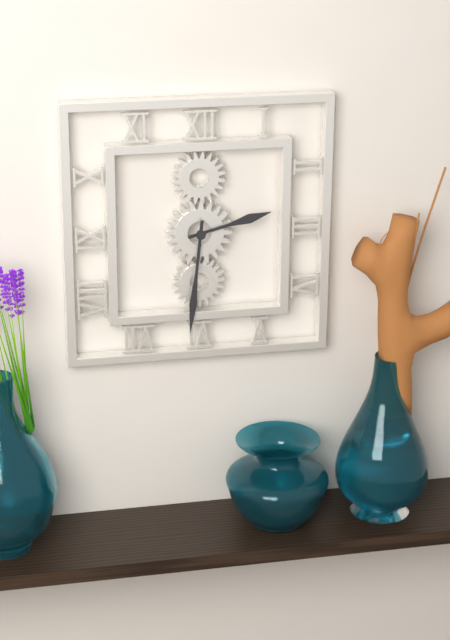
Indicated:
2.31
